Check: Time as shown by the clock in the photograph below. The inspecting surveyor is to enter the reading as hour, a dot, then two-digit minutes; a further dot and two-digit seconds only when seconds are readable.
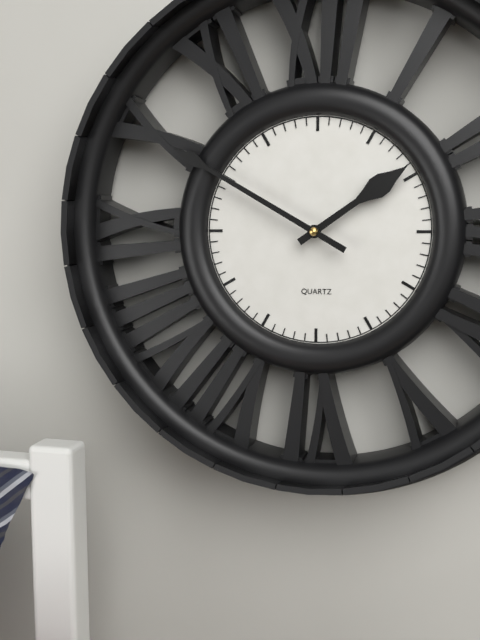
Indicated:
1.50
